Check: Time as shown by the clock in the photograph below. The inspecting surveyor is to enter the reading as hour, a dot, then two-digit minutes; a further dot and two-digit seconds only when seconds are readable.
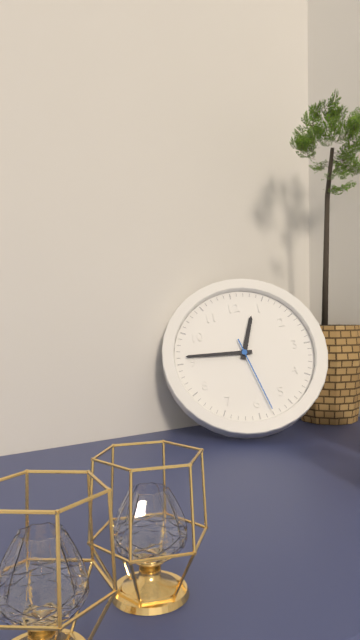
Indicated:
12.46.28
